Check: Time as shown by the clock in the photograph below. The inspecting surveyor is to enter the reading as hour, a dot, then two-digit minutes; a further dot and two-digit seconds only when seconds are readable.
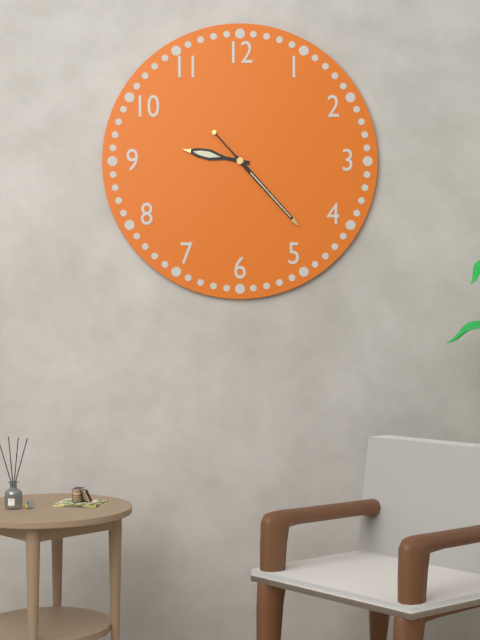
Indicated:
9.23
